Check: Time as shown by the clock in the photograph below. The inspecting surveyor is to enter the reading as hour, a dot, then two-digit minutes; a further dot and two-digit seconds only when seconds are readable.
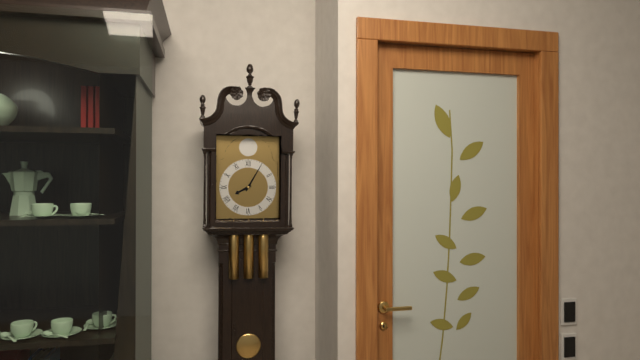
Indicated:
8.05
